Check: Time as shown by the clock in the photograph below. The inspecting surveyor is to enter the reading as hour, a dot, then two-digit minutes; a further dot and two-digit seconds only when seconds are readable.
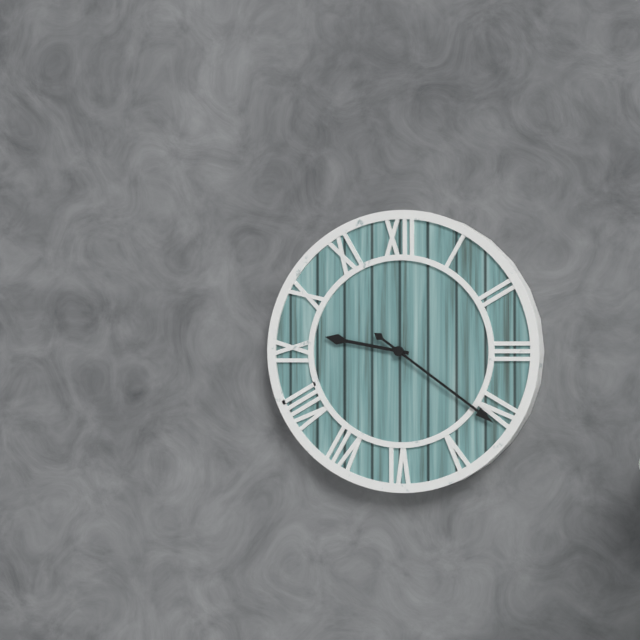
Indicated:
9.21
